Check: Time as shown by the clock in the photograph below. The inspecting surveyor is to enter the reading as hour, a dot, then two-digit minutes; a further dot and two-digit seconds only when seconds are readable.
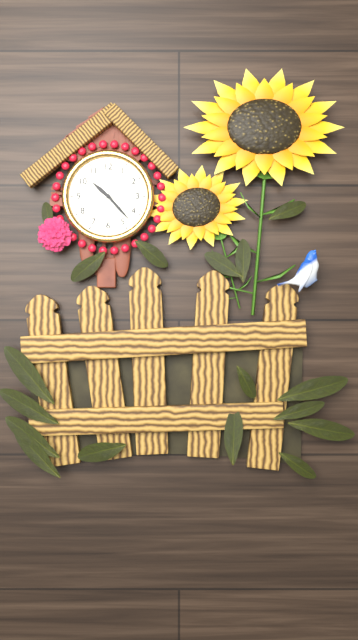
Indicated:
10.23
